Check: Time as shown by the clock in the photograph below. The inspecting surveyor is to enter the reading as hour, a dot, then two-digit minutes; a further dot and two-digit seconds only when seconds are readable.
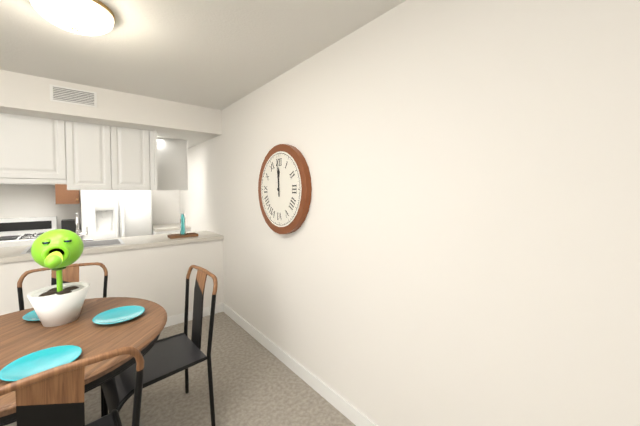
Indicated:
11.59
